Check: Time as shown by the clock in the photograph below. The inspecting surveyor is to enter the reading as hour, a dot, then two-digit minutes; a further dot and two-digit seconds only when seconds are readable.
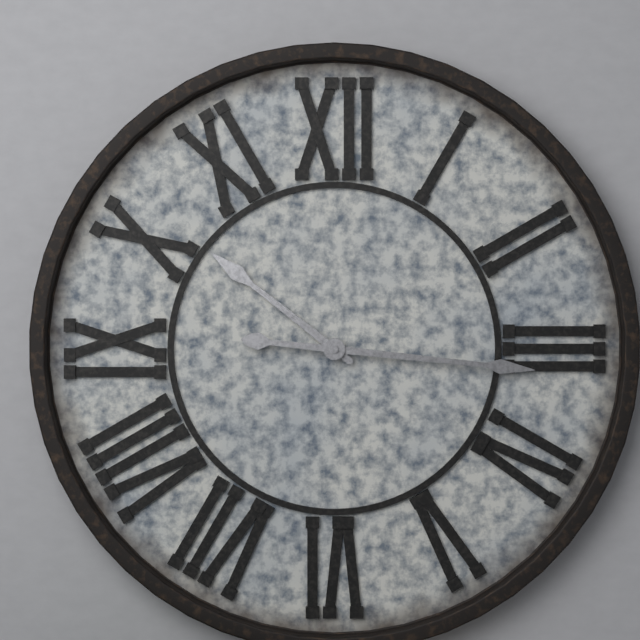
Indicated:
10.16
